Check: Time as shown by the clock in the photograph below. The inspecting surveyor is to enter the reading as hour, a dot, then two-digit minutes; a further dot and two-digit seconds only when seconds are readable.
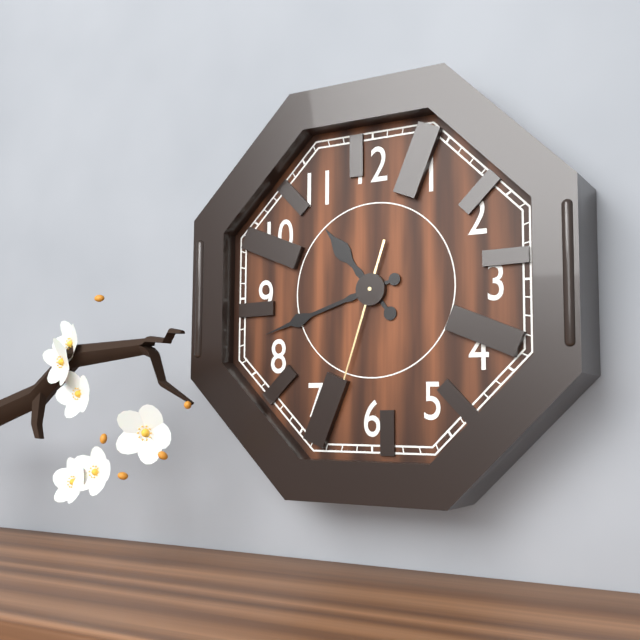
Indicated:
10.42
